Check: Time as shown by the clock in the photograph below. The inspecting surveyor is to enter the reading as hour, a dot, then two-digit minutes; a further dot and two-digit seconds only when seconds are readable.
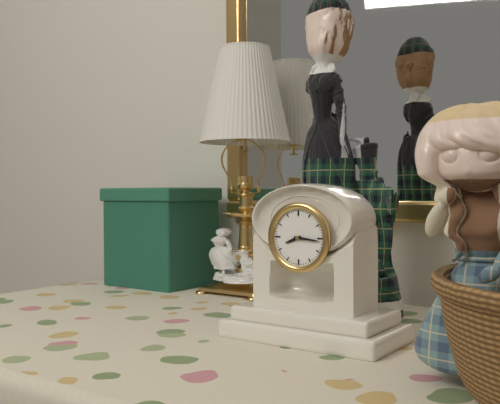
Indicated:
8.16
